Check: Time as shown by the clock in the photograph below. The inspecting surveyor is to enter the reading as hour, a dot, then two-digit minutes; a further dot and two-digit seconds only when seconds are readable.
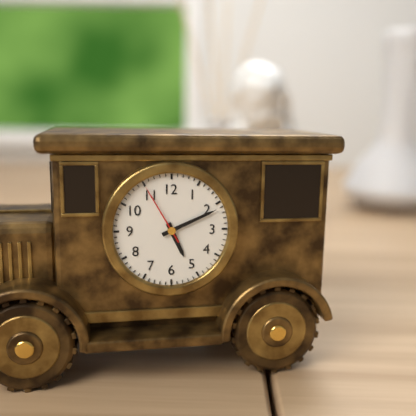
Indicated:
5.11.55
